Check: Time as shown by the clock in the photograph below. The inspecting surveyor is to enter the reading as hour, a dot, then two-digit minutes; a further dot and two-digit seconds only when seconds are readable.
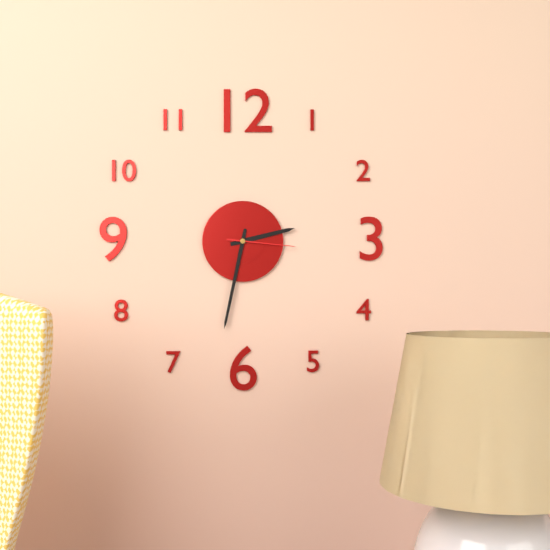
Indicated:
2.32.16
